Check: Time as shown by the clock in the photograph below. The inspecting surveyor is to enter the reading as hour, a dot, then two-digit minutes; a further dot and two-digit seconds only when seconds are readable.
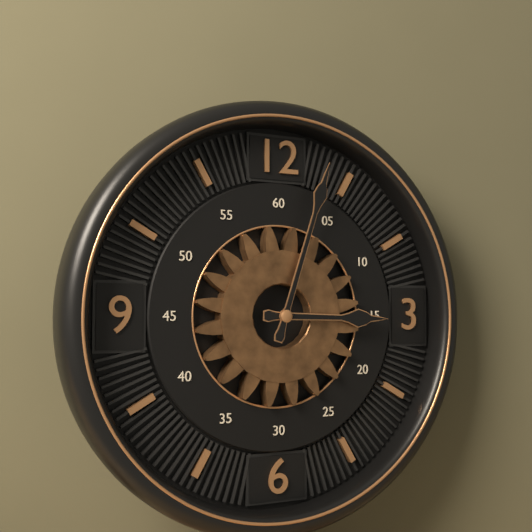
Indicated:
3.03
